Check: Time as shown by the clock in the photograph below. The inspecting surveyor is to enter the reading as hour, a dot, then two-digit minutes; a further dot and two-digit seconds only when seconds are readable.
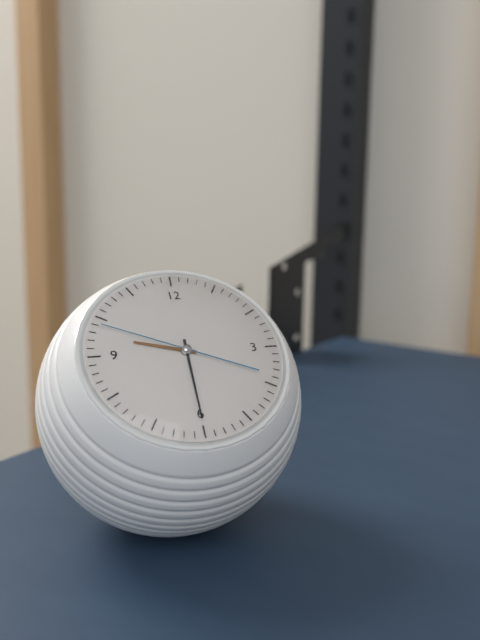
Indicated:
9.30.49
